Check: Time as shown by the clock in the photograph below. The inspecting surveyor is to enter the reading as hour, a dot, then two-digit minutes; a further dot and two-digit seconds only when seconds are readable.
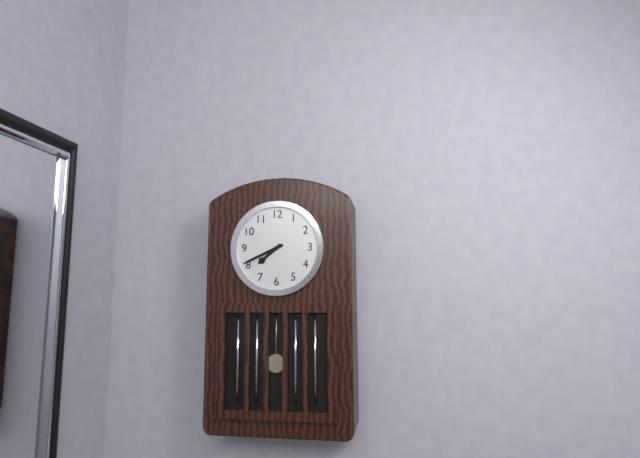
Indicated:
7.41
